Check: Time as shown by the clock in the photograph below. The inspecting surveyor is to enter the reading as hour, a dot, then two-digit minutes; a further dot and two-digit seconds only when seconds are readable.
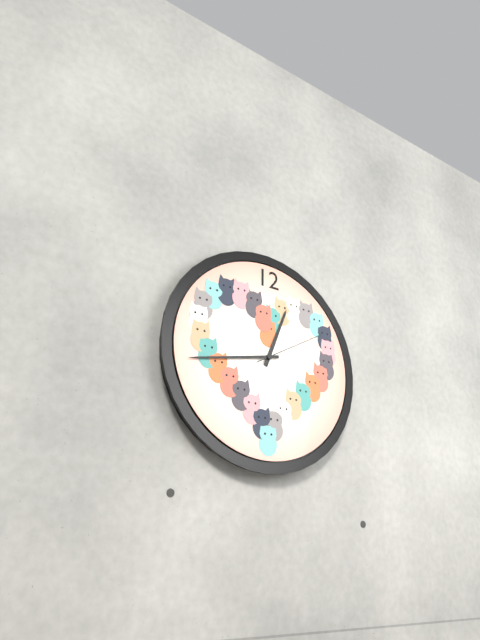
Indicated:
12.43.10
